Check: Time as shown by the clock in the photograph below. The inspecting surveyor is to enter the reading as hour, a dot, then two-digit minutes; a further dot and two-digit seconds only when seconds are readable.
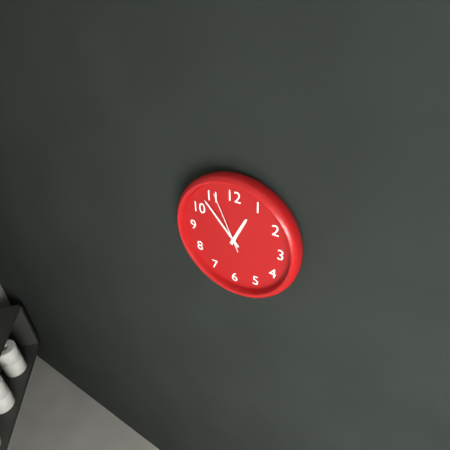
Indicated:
12.53.56
